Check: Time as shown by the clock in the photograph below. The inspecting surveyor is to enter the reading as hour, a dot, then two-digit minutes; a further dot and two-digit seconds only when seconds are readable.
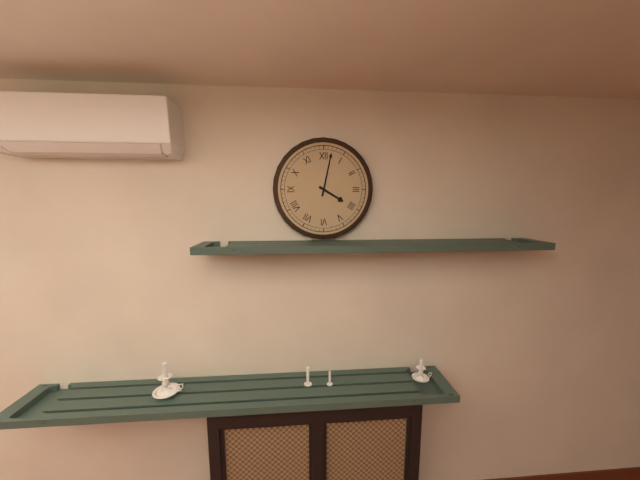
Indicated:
4.02
